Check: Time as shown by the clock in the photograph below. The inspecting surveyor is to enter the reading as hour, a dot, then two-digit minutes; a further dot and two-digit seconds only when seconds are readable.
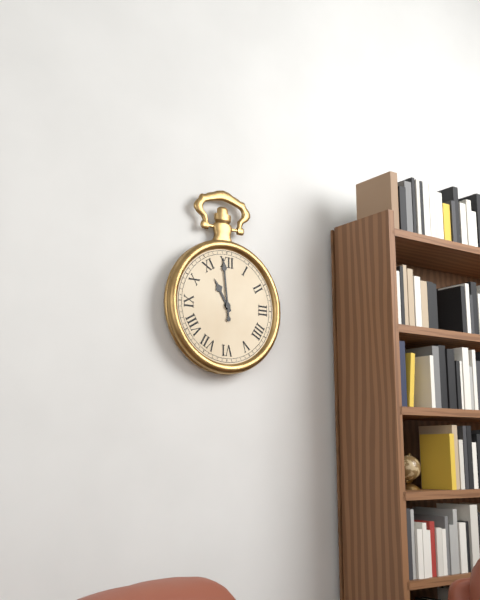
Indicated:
10.59
